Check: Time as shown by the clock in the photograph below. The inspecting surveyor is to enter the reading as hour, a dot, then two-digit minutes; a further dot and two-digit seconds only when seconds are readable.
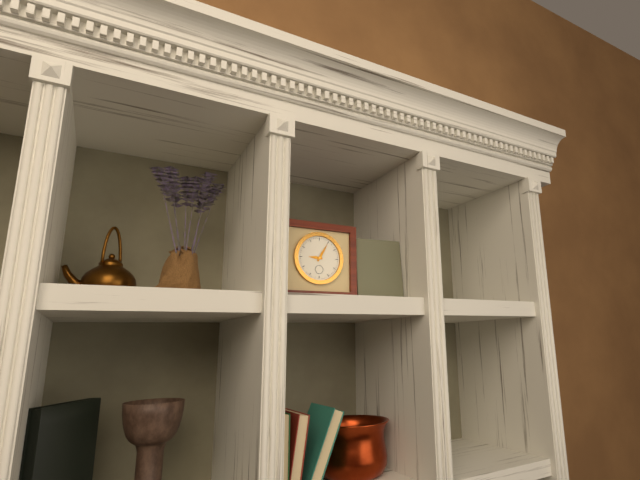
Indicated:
9.05
